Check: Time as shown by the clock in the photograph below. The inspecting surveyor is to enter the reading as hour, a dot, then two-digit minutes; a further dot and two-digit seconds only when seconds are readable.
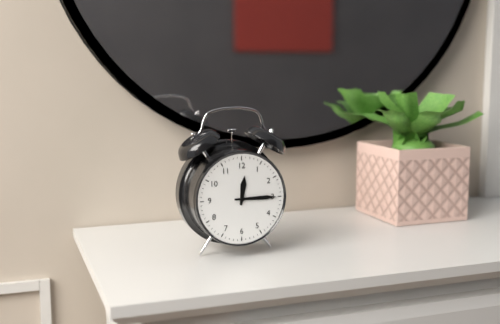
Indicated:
12.15
